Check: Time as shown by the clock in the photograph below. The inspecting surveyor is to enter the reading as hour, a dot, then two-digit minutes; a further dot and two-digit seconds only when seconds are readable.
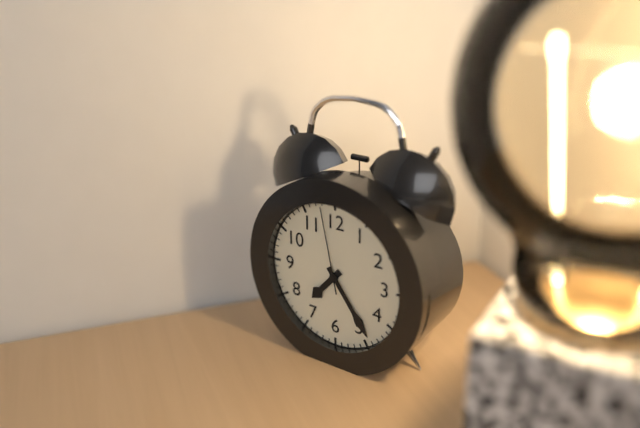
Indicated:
7.24.58
